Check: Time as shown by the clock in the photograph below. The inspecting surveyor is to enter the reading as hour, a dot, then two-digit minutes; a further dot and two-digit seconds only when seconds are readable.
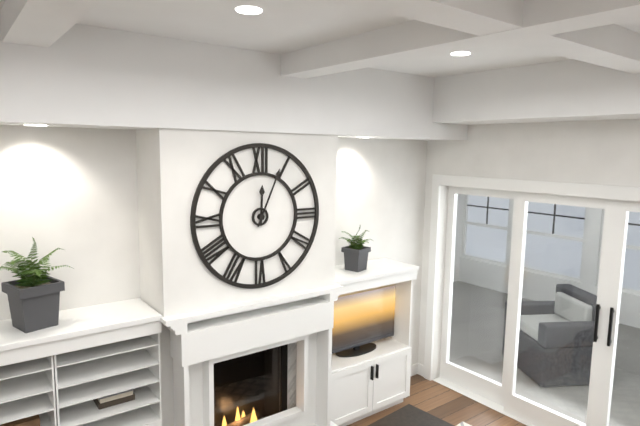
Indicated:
12.04
